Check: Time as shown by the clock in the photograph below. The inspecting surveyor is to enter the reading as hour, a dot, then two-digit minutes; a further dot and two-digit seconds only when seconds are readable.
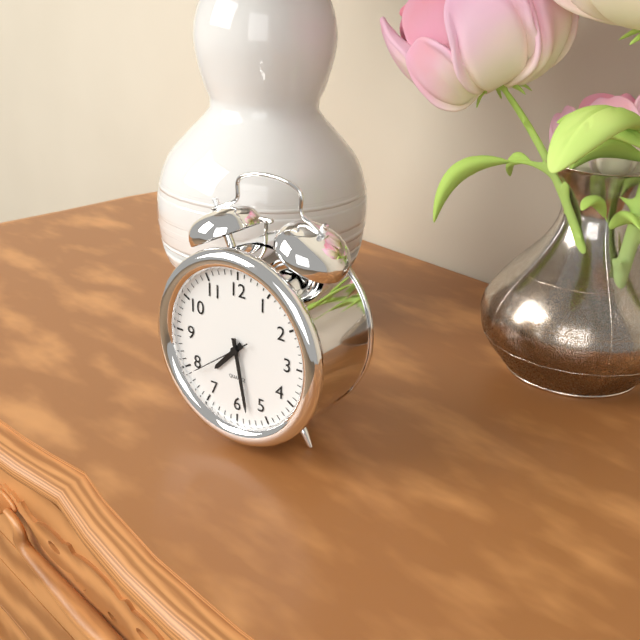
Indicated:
7.28.39
